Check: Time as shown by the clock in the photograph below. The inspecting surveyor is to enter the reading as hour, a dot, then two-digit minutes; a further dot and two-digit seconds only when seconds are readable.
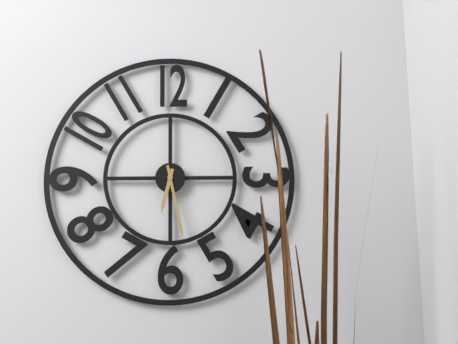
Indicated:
6.28
